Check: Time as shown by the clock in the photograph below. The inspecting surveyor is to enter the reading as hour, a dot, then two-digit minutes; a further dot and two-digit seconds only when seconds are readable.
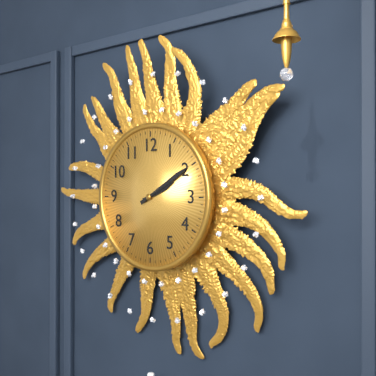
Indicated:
2.10
